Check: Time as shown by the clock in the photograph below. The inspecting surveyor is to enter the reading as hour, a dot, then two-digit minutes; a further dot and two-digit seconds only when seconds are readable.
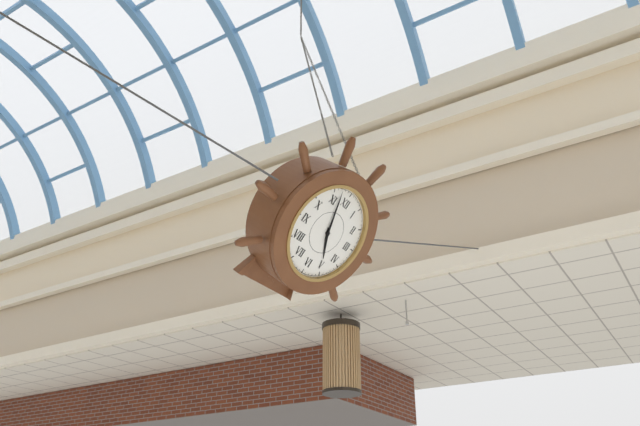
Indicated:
4.57
